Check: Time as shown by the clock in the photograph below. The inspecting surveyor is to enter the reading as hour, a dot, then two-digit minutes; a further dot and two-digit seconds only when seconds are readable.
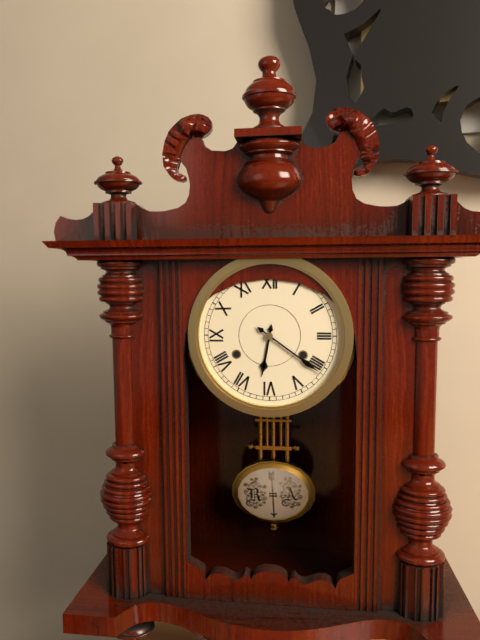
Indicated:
6.21
